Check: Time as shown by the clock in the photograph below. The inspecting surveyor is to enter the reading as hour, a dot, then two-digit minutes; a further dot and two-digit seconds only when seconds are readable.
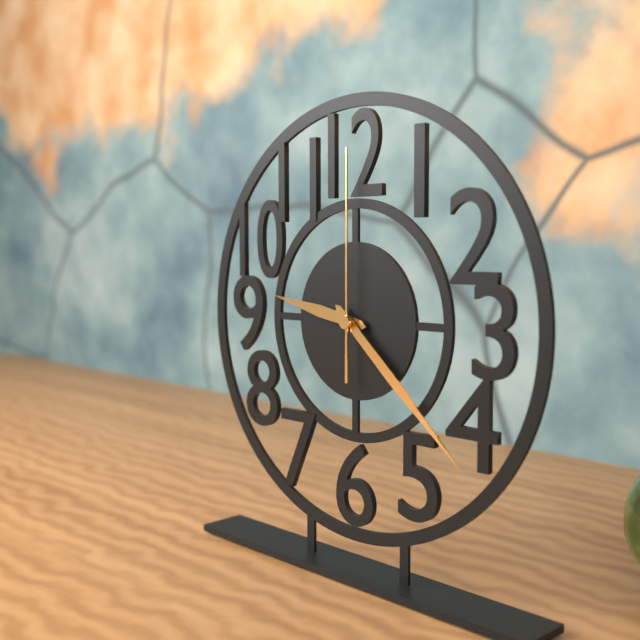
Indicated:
9.22.00
